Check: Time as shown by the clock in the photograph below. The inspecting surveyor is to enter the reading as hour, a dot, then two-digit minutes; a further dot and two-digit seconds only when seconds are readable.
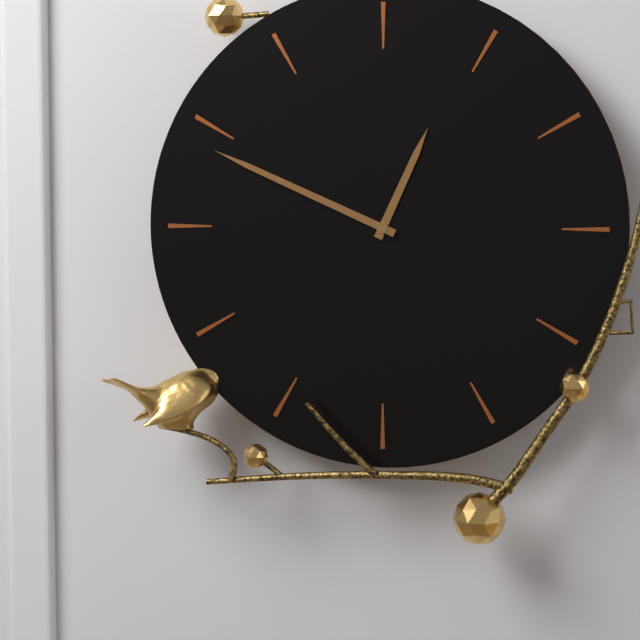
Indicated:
12.49
